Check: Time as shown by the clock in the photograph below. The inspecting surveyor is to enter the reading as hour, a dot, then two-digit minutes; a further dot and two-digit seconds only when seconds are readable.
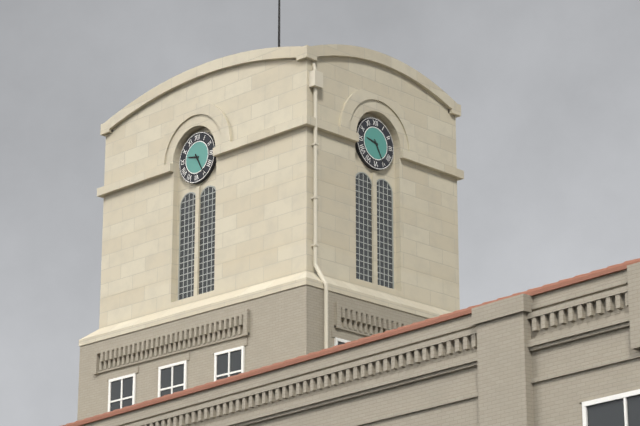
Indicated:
9.25
